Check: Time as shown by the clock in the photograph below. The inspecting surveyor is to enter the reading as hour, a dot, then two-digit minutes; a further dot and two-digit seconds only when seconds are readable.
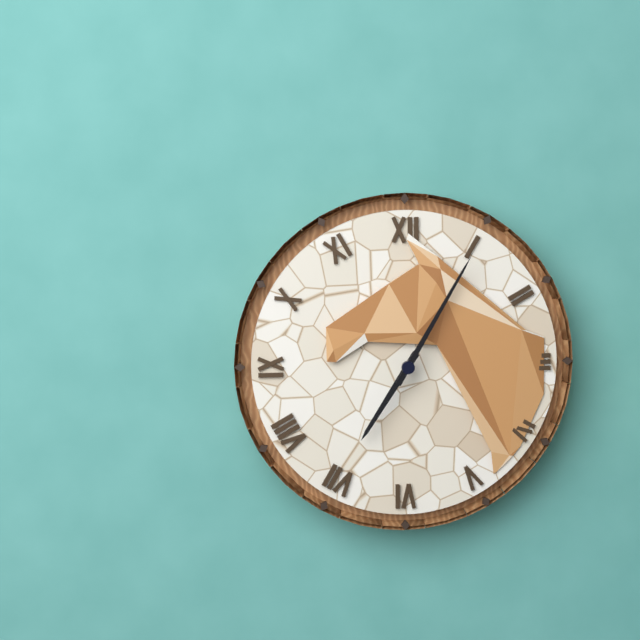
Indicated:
7.05
